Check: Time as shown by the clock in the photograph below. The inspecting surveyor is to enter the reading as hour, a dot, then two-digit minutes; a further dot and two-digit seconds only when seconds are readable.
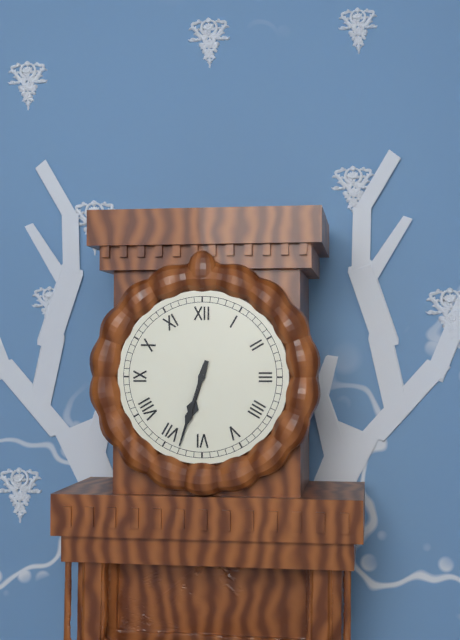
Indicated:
6.33
